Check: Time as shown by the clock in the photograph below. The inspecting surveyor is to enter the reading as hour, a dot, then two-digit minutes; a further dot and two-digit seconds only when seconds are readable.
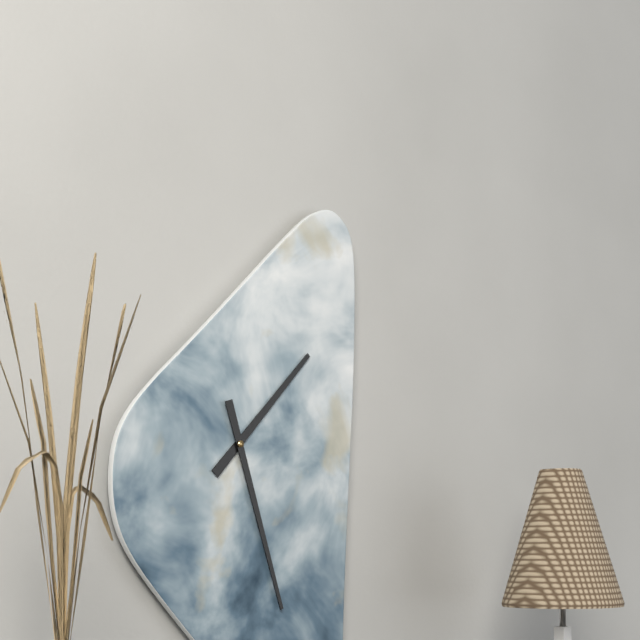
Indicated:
1.27
